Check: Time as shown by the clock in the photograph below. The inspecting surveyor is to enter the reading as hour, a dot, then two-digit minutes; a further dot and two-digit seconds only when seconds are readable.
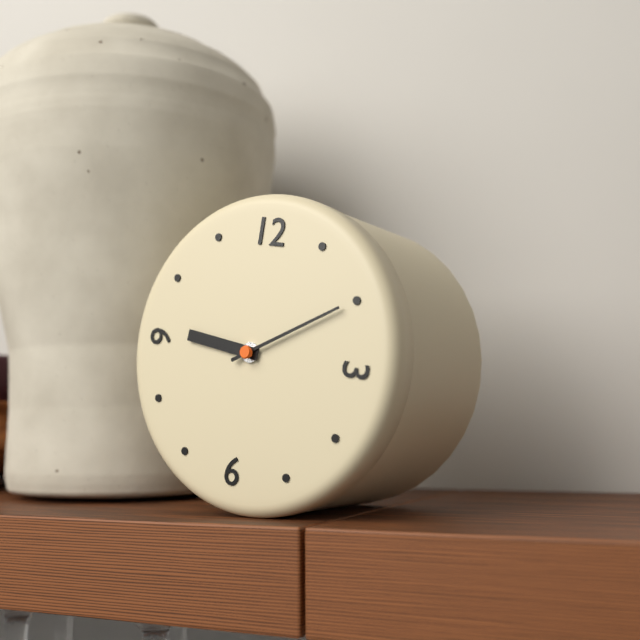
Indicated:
9.10
